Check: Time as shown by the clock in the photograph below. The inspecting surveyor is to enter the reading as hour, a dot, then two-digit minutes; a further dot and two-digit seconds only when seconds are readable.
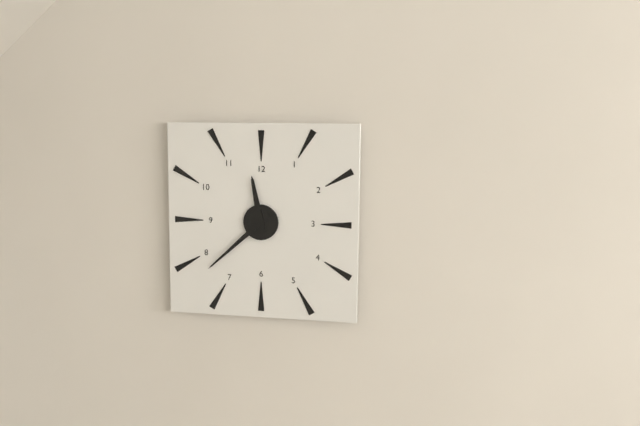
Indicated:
11.38
